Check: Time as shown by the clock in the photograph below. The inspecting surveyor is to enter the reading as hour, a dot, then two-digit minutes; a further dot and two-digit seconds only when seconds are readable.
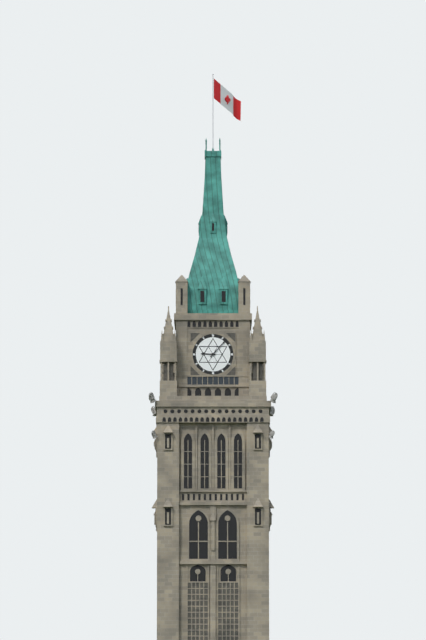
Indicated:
9.07
